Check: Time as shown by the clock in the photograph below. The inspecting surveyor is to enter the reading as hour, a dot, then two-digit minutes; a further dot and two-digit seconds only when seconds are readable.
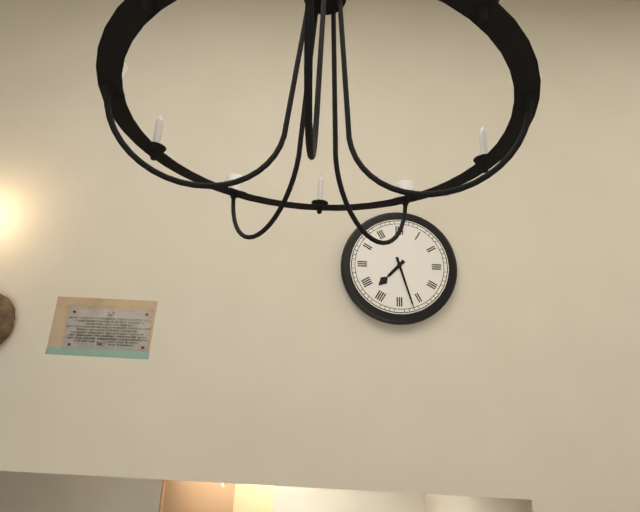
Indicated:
7.27
